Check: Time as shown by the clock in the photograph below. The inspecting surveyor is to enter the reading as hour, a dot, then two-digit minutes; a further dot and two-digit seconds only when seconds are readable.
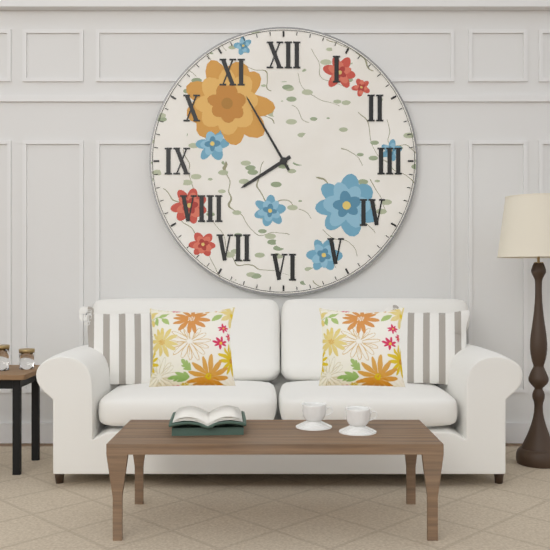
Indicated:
7.55
